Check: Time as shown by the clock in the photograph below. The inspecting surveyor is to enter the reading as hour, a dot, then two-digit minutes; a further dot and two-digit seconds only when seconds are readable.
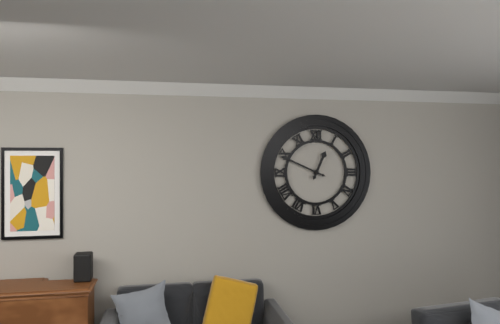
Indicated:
12.49
